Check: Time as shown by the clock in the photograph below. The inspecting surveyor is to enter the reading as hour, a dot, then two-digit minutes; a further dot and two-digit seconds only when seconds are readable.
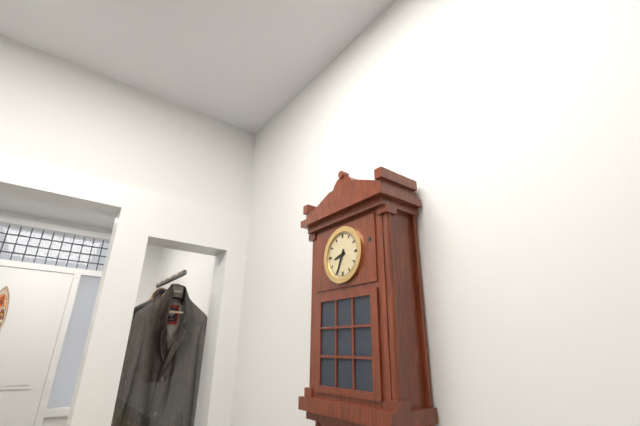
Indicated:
8.34
